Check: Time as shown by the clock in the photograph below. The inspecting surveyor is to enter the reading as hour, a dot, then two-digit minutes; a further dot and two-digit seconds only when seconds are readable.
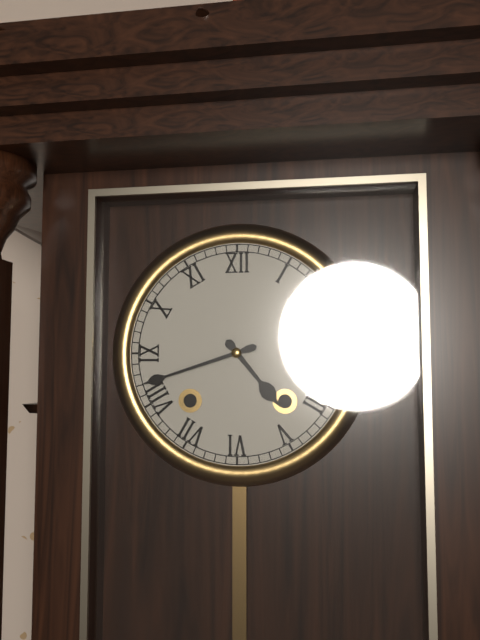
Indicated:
4.42
